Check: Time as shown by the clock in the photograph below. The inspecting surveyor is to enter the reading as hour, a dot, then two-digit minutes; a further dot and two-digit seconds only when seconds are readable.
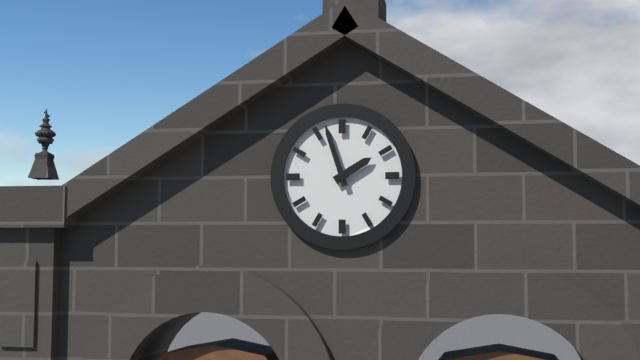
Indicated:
1.57
